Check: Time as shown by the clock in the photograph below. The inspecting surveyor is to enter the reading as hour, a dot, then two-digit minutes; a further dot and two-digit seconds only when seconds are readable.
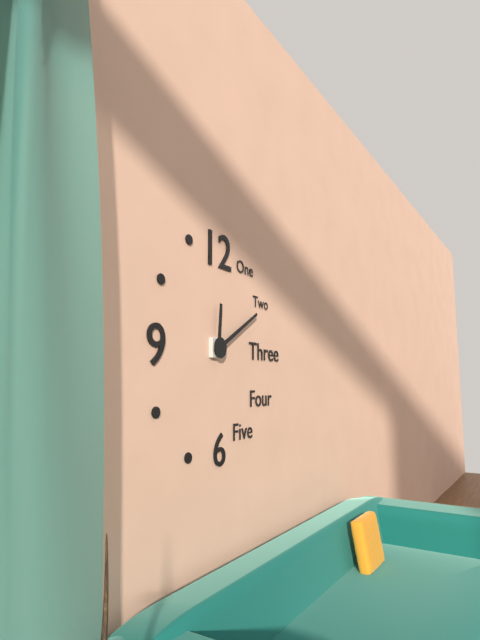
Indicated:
12.10
